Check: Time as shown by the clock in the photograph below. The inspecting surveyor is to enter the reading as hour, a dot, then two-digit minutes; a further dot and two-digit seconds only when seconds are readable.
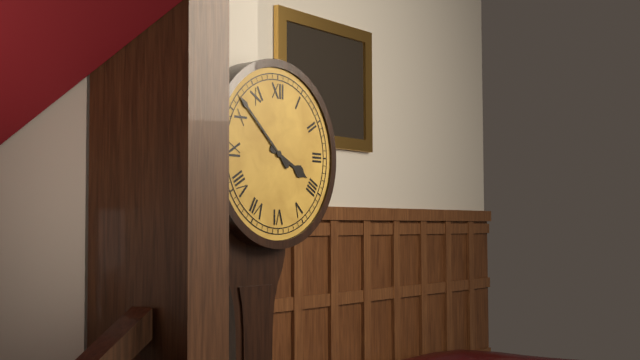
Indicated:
3.52
